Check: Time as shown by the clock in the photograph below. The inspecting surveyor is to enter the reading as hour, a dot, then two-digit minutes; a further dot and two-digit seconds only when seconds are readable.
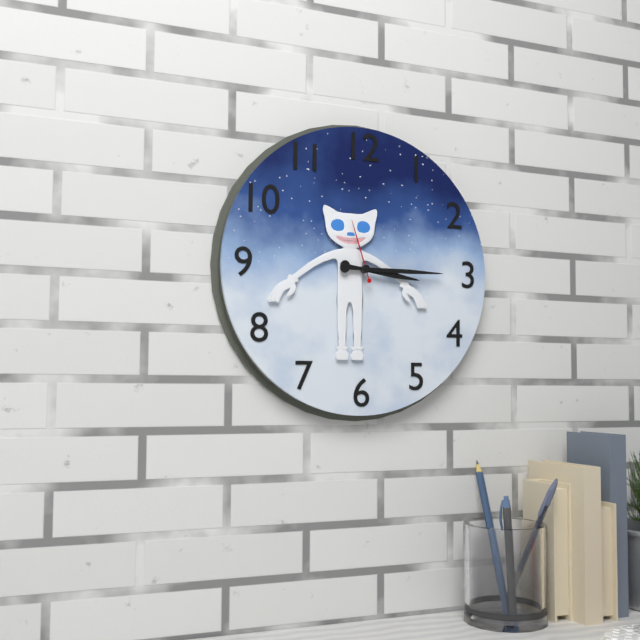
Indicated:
3.15.57
